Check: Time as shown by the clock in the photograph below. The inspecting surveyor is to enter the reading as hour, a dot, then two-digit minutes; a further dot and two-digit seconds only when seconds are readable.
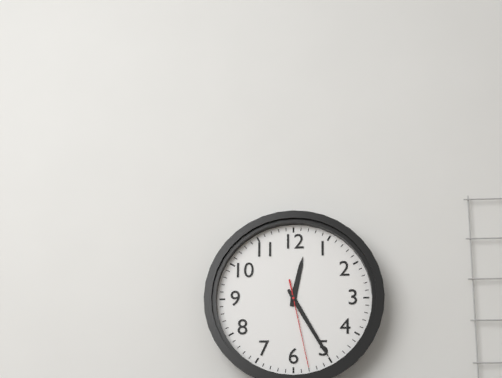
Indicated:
12.25.28
